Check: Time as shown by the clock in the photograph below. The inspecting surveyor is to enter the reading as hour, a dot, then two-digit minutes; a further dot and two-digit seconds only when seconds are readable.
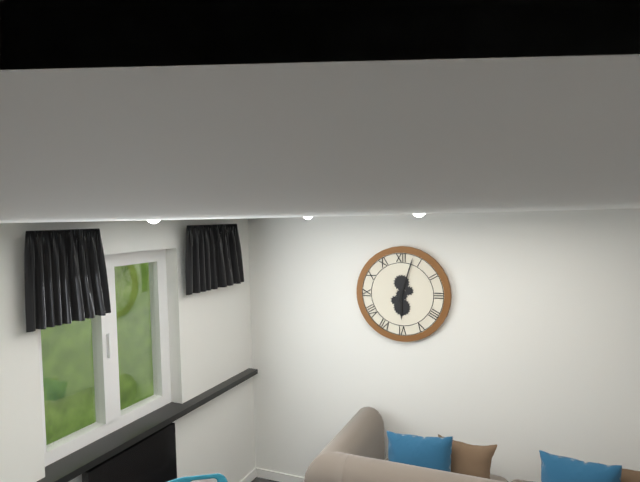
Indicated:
6.03
